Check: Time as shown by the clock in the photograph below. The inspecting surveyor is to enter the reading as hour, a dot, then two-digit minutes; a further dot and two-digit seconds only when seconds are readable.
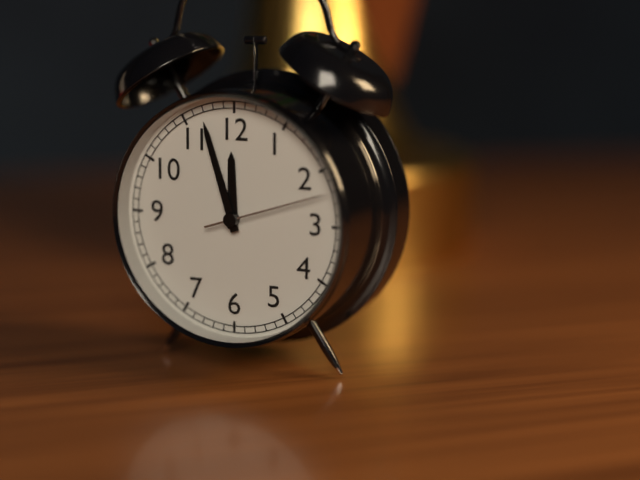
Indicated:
11.57.12
